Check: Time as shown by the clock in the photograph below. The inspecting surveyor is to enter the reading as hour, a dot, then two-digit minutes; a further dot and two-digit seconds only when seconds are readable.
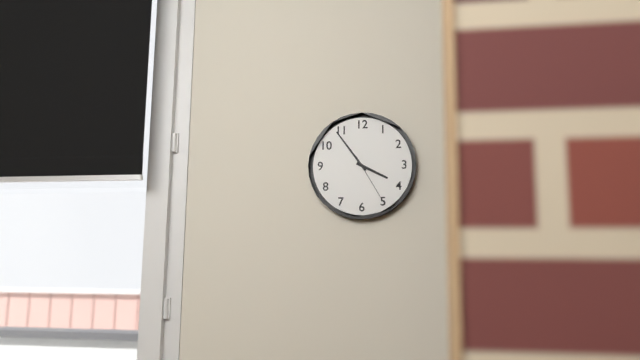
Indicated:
3.54.25
